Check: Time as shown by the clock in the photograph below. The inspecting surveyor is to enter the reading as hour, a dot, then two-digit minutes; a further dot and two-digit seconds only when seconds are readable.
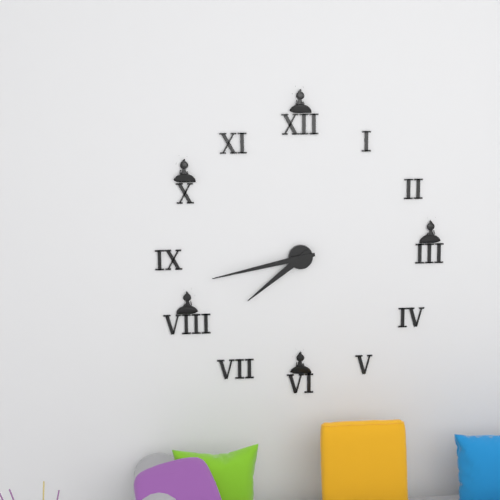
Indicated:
7.43
